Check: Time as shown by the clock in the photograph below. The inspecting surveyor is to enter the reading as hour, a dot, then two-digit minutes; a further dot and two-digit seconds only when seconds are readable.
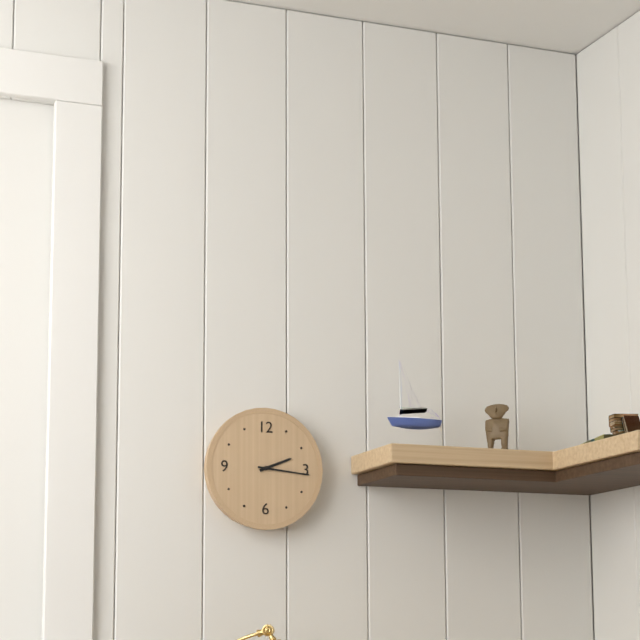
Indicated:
2.16
